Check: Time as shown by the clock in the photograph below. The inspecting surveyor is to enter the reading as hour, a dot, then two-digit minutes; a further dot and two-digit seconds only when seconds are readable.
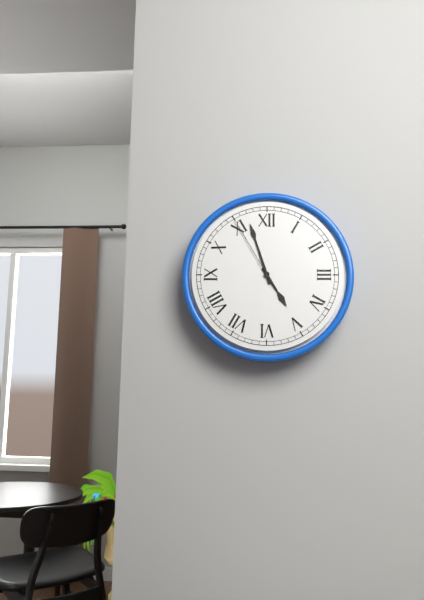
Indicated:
4.57.55
